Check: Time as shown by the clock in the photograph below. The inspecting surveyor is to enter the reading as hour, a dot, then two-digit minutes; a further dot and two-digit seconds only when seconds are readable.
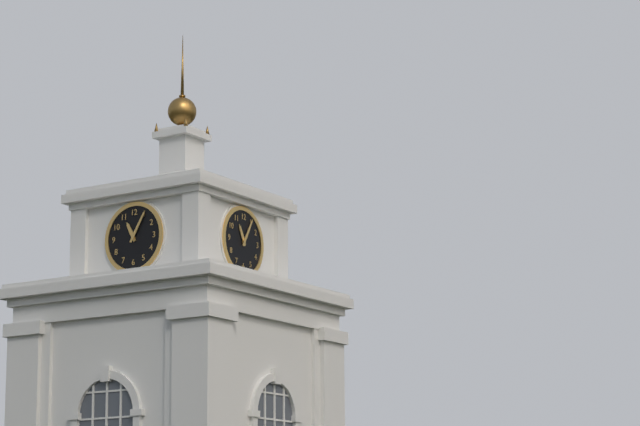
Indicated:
11.05
